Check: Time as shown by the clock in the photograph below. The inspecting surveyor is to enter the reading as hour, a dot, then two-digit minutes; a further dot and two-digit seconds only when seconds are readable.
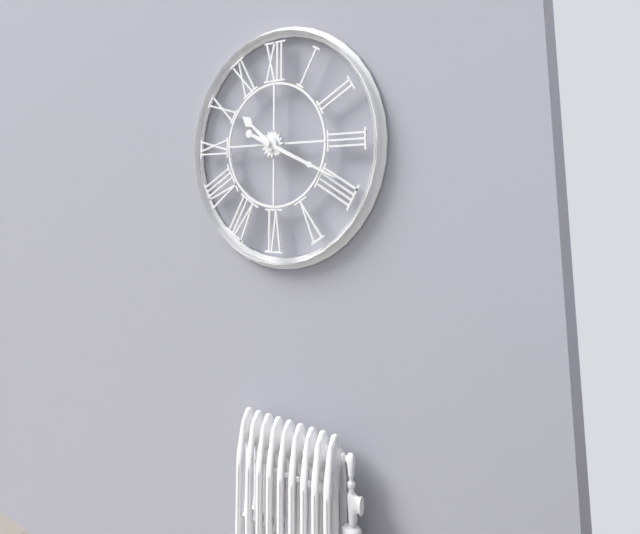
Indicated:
10.19
